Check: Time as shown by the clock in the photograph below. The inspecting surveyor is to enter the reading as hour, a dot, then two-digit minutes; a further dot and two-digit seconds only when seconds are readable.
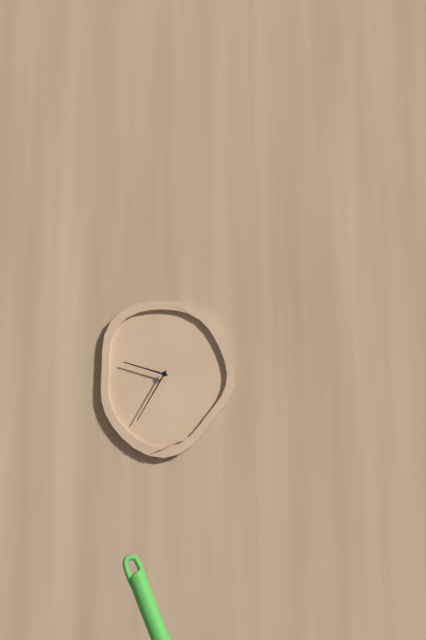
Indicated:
9.35
